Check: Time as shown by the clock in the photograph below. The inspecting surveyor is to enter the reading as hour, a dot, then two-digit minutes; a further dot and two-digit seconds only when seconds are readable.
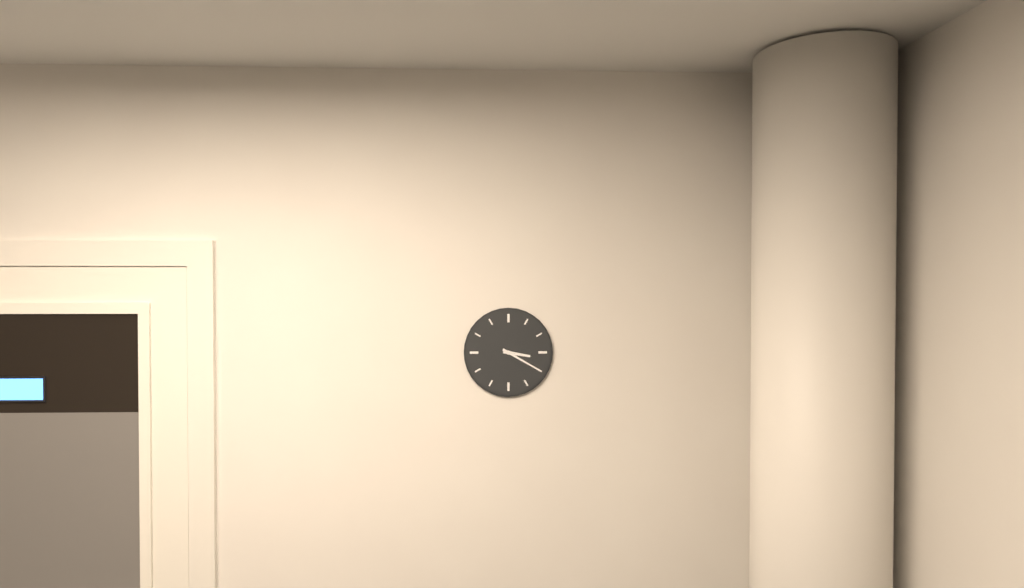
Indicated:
3.20
